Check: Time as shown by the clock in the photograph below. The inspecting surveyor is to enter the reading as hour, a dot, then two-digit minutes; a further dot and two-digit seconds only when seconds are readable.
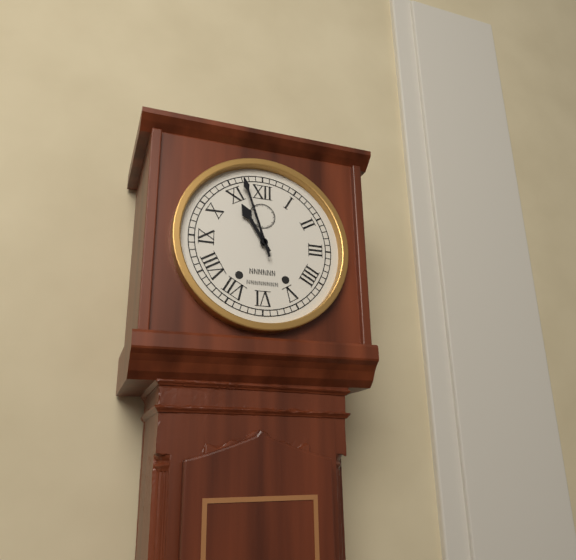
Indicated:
10.57
